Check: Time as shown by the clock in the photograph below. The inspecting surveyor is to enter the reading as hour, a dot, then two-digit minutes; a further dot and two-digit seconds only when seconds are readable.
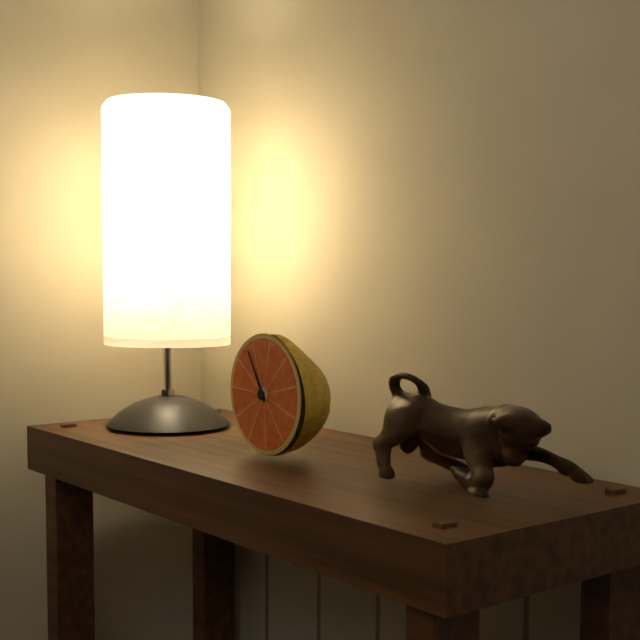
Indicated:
10.55
